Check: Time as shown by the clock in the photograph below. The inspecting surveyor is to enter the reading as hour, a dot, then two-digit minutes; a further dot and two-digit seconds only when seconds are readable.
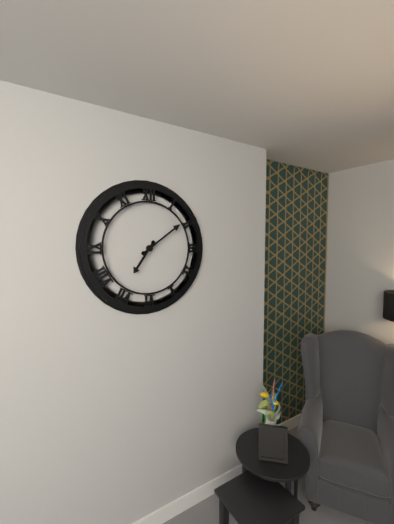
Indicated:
7.09
